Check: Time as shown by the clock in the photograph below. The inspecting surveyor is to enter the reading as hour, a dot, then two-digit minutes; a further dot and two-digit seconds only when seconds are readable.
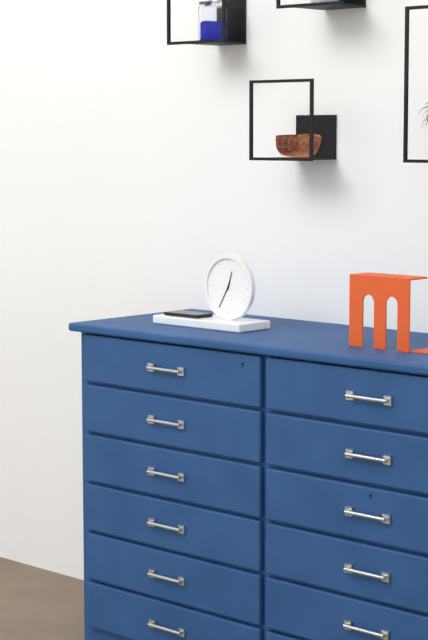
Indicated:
12.35
